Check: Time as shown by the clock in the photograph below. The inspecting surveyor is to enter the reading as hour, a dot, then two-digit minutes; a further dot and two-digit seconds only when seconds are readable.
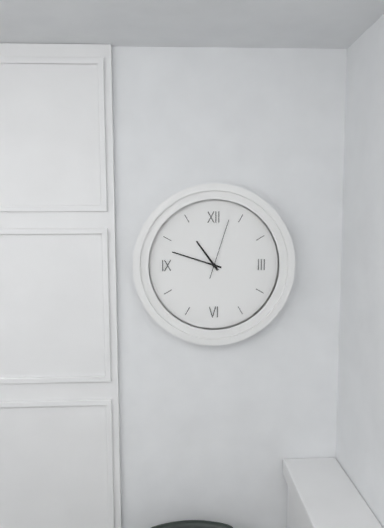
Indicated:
10.48.03
